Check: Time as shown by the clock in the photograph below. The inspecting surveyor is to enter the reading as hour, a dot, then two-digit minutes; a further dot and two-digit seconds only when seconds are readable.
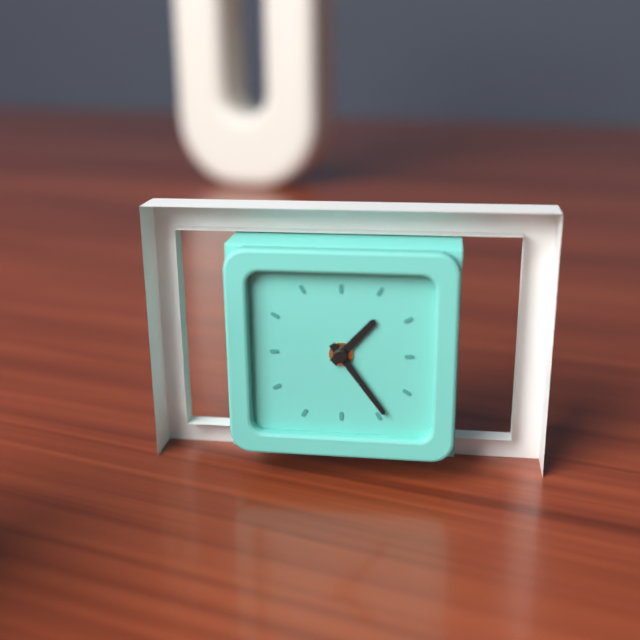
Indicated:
1.24
